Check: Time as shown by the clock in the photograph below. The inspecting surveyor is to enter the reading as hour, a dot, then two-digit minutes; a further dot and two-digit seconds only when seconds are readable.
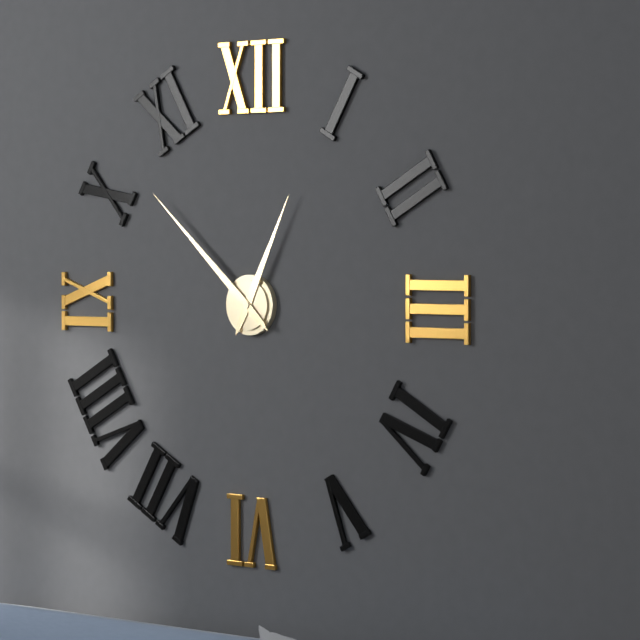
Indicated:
12.52
